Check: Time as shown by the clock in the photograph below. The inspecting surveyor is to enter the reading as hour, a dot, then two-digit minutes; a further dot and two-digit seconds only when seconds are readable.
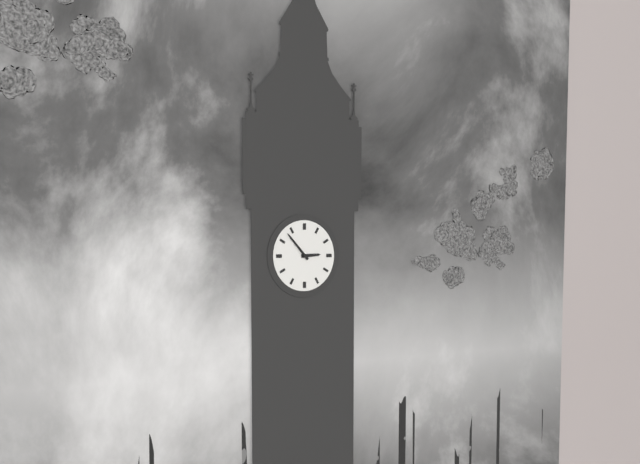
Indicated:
2.53
